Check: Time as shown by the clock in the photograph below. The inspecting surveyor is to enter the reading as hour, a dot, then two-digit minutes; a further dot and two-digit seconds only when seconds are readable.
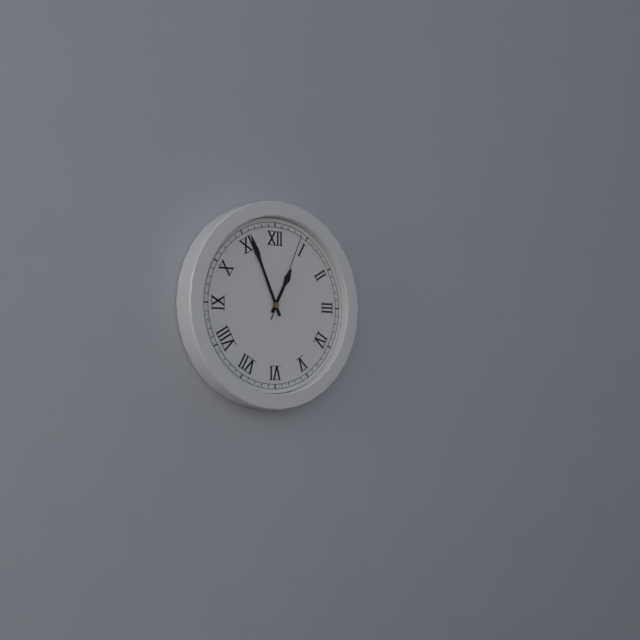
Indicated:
12.56.04
